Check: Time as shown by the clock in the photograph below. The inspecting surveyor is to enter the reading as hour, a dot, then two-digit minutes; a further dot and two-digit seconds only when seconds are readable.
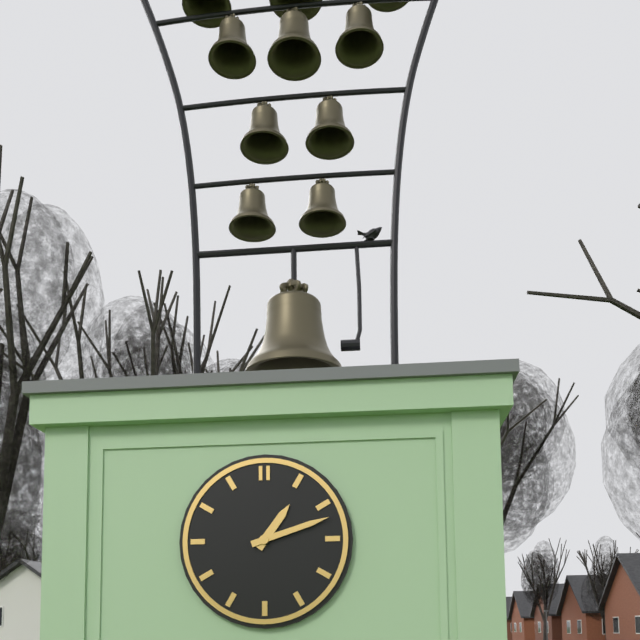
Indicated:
1.12
